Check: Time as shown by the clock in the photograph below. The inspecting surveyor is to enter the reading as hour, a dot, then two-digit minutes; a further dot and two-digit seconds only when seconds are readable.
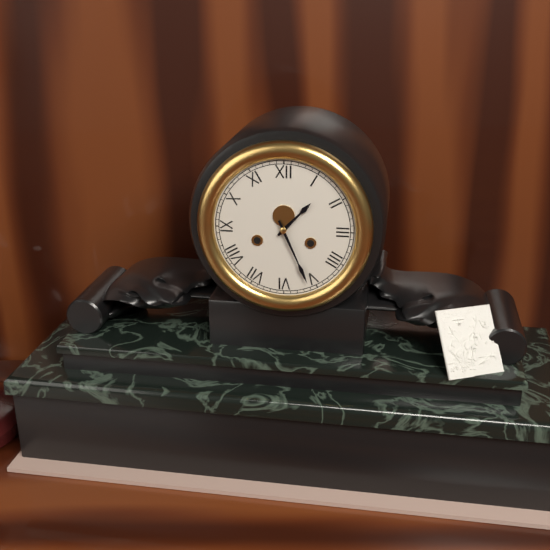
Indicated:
1.26
